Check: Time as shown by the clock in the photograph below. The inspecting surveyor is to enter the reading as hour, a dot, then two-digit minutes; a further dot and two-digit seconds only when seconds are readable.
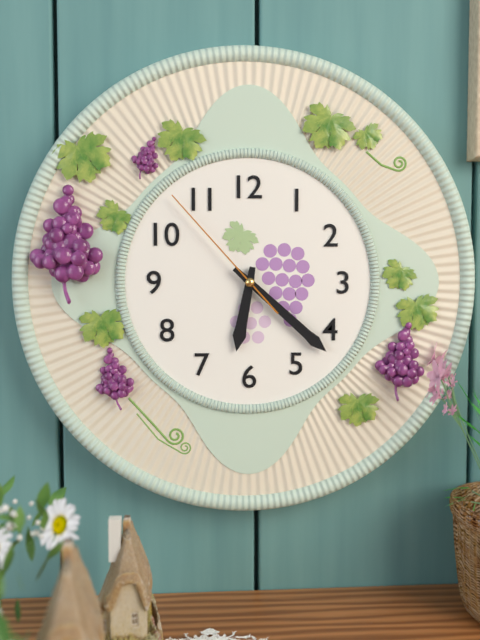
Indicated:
6.22.53
